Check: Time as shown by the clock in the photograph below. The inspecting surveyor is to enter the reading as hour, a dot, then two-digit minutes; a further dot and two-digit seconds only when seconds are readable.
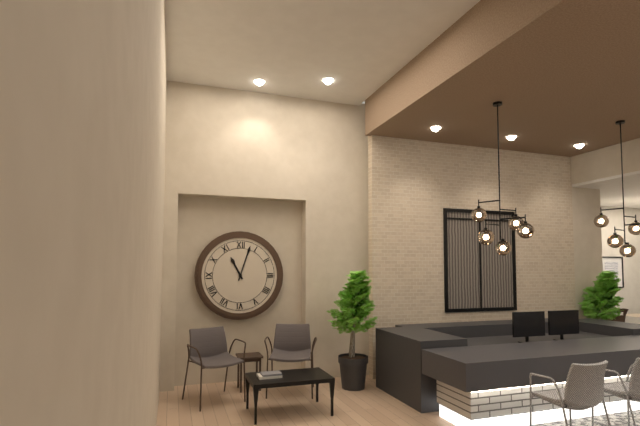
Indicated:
11.03
